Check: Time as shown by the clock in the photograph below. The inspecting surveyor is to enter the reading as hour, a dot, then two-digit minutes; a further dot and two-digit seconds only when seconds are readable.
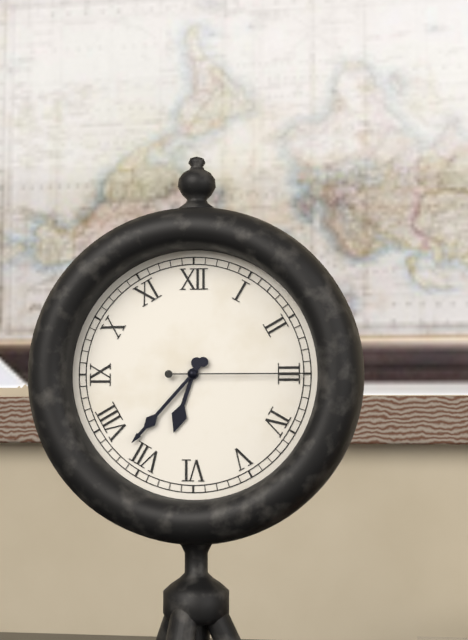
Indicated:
6.37.15
